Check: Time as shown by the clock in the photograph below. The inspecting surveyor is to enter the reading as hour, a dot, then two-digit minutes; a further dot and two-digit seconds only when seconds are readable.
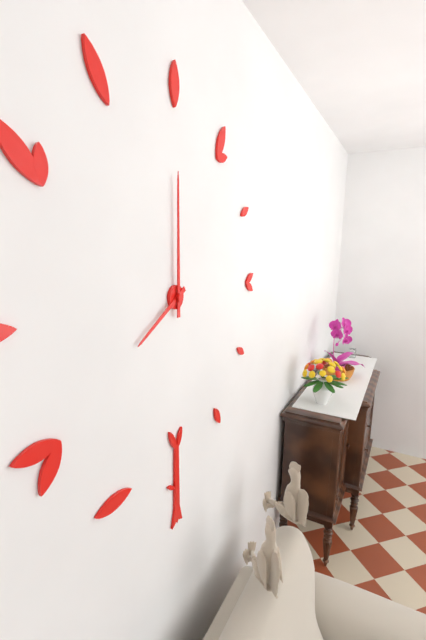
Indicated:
8.00
